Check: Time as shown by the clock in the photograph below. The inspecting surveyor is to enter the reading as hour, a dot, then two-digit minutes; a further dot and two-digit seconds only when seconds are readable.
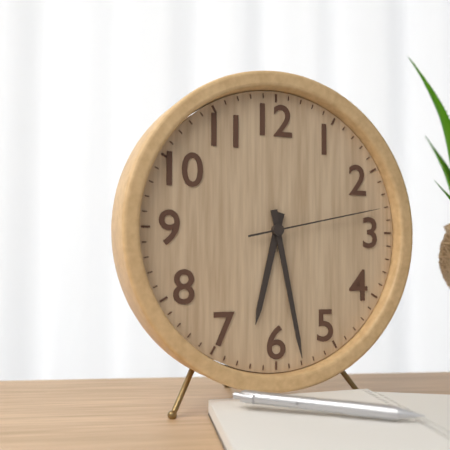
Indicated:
6.28.13
